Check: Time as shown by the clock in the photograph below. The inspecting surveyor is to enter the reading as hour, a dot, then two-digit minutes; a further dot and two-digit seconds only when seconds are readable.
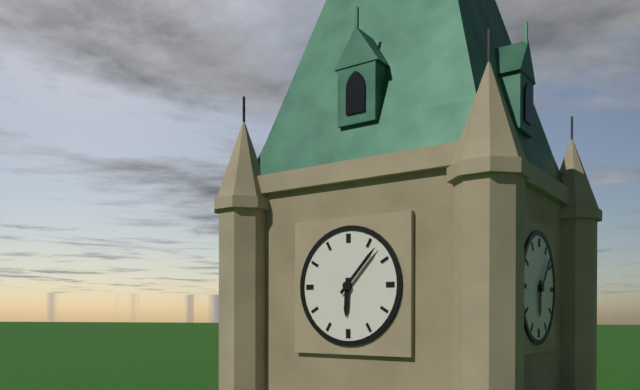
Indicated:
6.07
